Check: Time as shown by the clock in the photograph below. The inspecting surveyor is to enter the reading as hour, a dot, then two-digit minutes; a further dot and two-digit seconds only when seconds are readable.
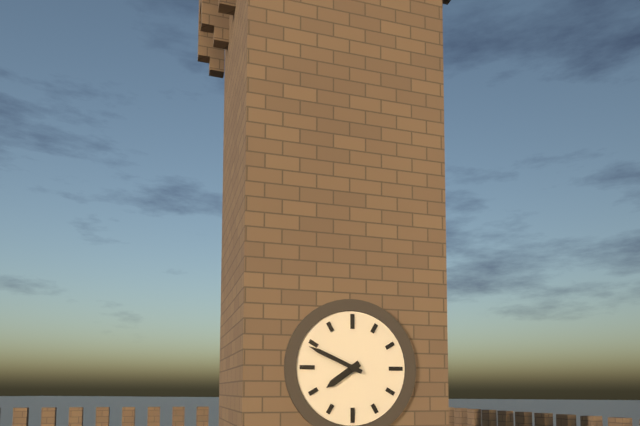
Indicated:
7.49
